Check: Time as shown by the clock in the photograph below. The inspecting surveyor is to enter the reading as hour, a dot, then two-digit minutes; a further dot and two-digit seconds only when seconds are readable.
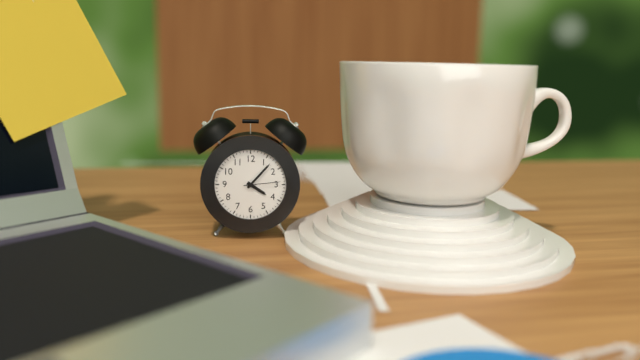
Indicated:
4.07
